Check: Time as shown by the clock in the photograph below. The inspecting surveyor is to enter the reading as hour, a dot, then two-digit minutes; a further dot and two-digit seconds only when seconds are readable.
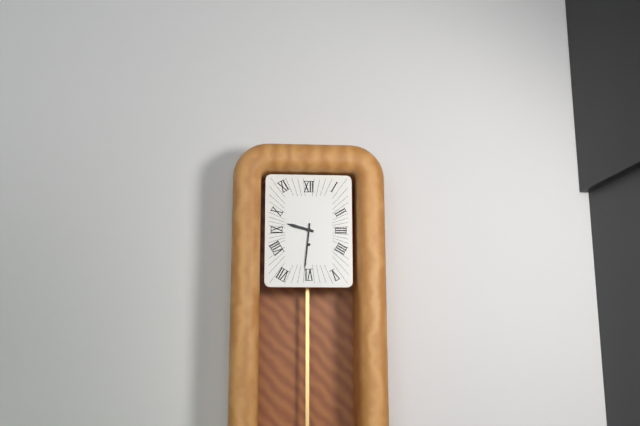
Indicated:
9.31
